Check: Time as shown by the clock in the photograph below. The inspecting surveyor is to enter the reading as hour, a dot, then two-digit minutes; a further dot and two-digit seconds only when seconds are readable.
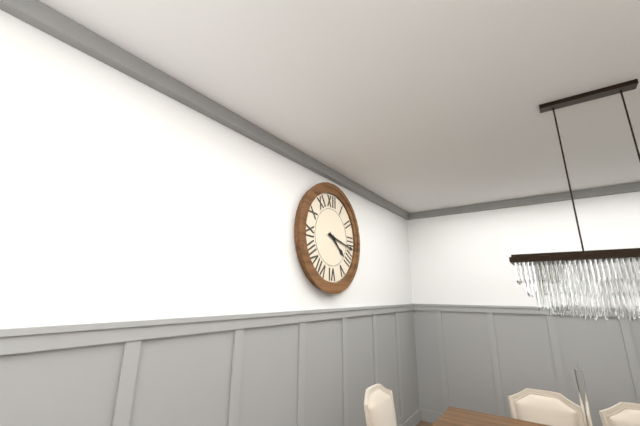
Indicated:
4.17
